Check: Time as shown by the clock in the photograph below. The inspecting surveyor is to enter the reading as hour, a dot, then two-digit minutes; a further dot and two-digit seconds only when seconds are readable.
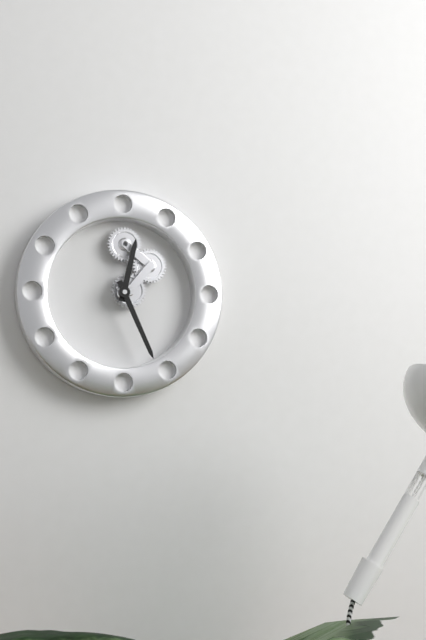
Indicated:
12.26
